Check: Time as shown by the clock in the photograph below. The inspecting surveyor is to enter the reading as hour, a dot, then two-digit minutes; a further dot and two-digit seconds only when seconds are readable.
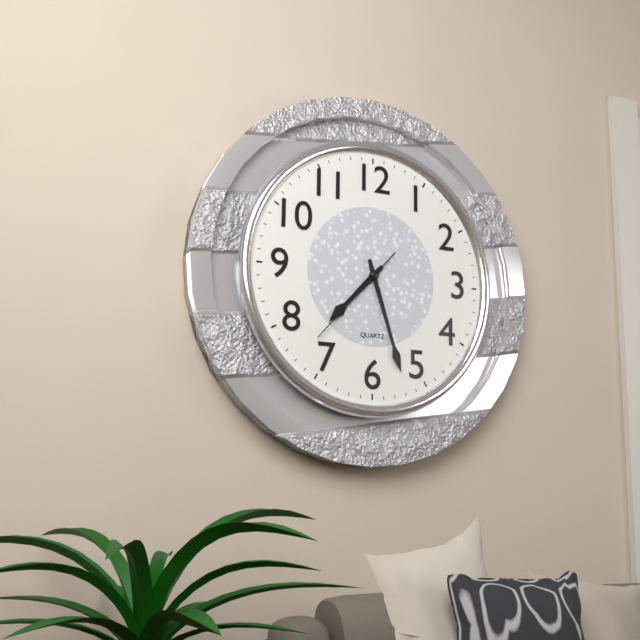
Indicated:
7.27.37
